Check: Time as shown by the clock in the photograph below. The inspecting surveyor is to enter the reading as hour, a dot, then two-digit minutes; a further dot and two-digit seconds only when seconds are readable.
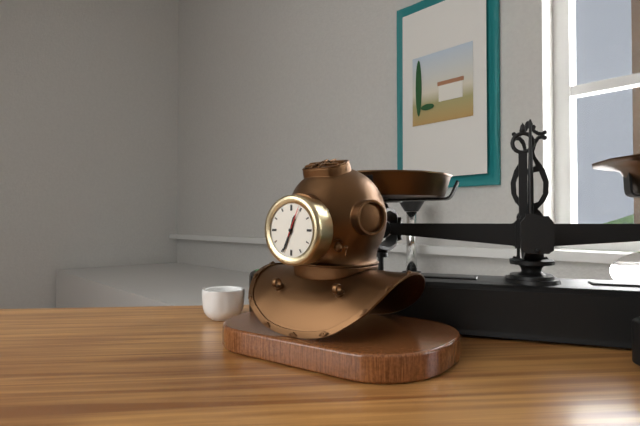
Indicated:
12.34
